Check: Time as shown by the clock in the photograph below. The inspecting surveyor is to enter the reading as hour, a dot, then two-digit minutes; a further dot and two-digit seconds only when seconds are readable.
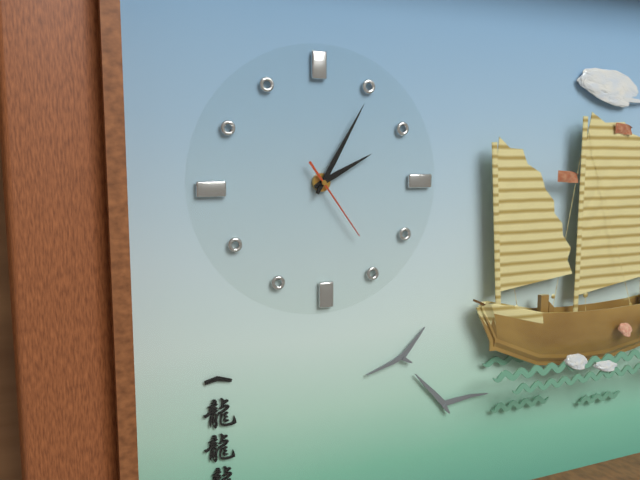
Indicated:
2.05.24
